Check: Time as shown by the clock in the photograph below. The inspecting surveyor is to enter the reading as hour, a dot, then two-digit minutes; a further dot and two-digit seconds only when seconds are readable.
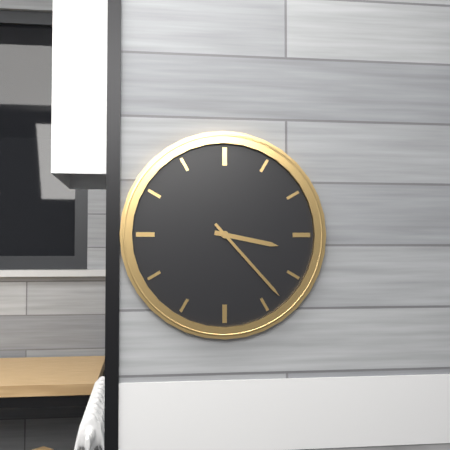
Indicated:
3.23
